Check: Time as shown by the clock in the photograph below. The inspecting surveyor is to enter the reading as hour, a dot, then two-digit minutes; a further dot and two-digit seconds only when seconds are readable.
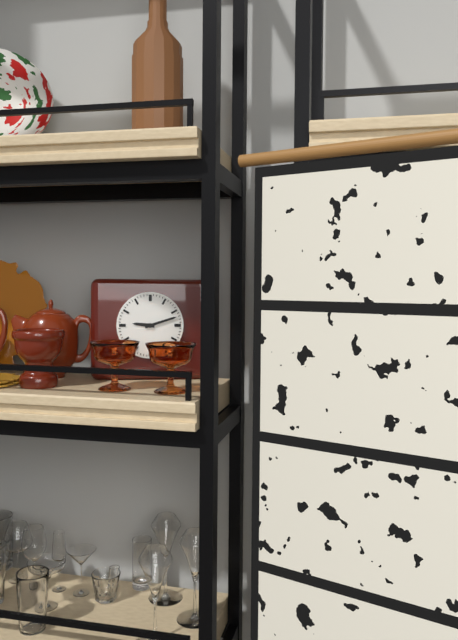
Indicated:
9.12
